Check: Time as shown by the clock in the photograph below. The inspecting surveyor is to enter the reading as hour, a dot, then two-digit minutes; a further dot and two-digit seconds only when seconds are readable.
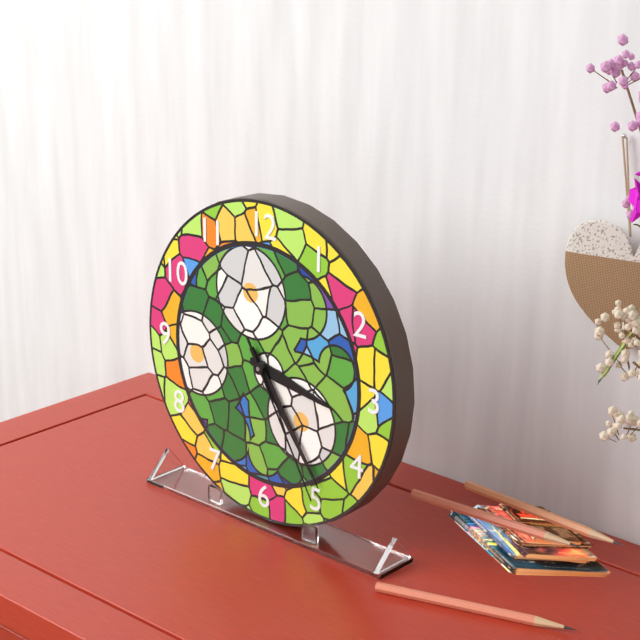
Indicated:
3.24.25
